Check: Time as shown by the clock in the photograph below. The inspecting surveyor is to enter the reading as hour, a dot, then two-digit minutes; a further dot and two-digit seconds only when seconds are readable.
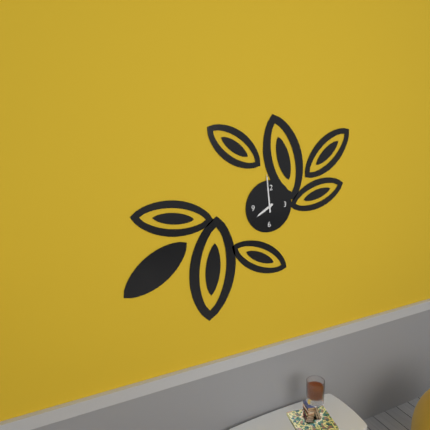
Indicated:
7.59
